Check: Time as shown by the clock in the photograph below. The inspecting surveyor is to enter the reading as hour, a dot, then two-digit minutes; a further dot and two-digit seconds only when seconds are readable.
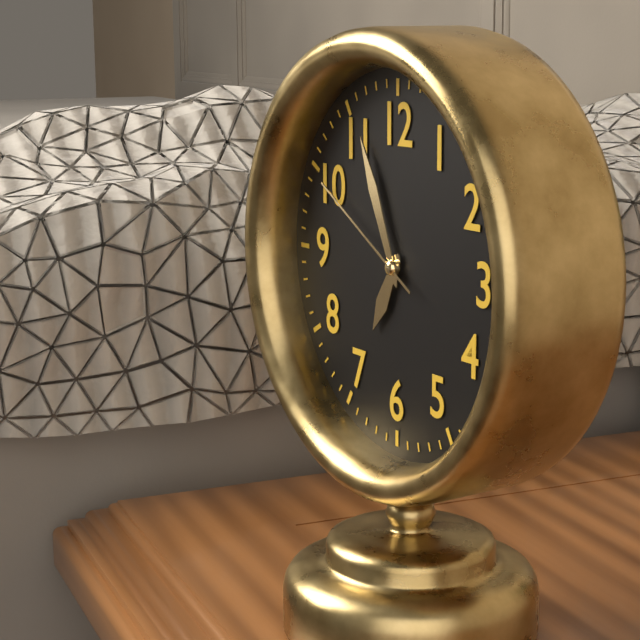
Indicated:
6.56.50
